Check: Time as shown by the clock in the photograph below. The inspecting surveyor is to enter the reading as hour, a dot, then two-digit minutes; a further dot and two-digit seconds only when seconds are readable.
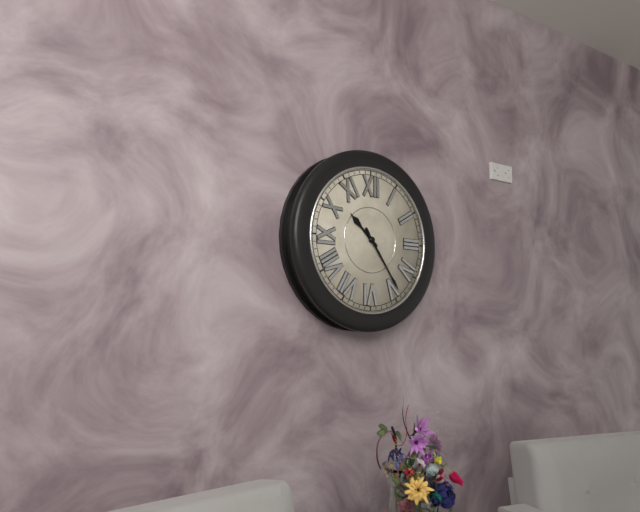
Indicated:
10.24
